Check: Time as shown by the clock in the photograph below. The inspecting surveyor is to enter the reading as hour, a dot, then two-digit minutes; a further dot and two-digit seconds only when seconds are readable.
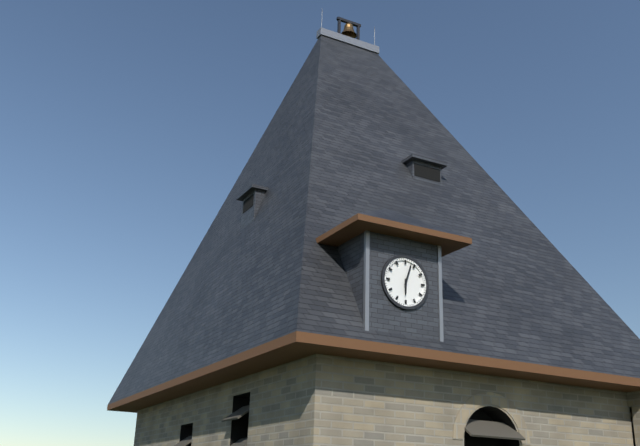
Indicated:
6.03
